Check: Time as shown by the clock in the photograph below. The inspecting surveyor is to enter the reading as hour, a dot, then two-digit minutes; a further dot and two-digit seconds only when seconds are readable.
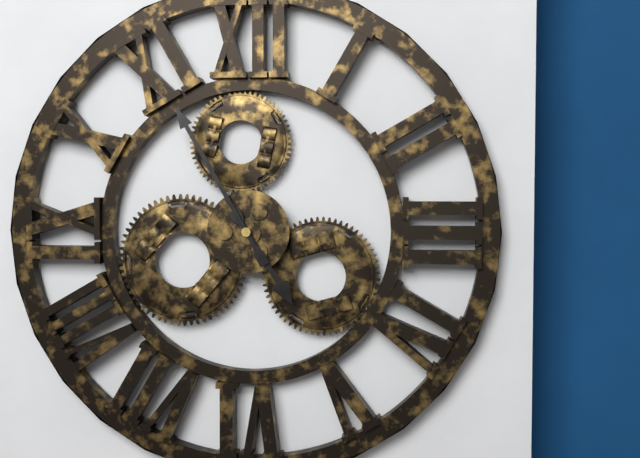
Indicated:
4.55
